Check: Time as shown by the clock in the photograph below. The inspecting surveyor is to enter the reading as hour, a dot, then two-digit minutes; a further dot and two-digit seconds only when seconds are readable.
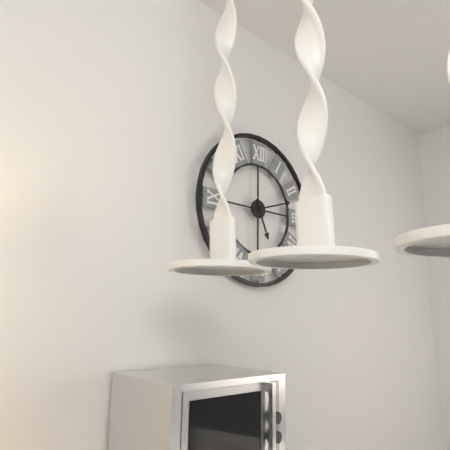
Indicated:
5.12
